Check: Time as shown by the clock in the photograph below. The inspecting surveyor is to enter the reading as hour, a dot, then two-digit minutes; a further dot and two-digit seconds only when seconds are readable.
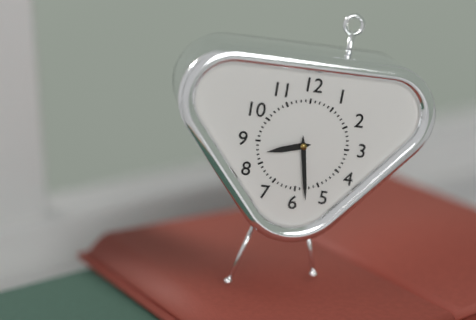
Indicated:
8.28
